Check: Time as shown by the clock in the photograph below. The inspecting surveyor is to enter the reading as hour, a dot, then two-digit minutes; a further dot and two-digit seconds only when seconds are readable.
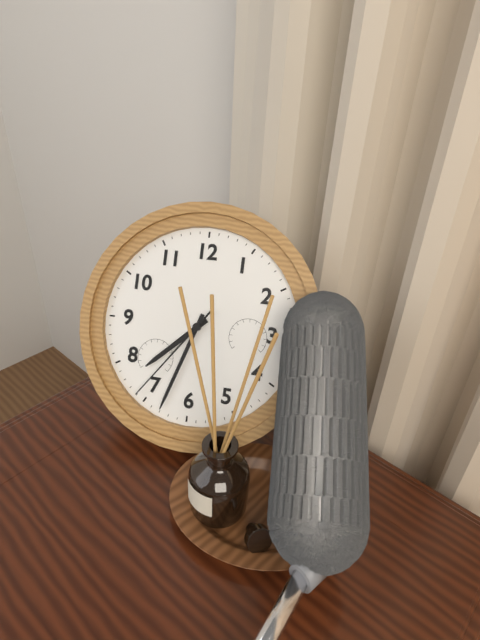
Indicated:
7.33.36
